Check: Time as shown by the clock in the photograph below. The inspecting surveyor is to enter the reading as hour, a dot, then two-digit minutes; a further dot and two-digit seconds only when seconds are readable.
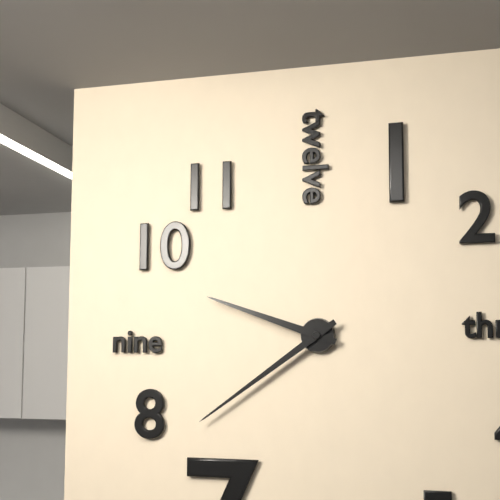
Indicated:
9.39
